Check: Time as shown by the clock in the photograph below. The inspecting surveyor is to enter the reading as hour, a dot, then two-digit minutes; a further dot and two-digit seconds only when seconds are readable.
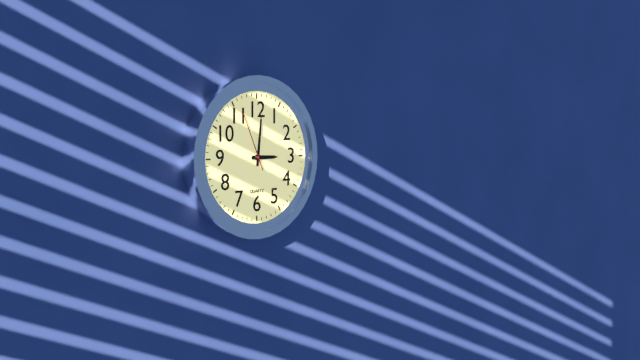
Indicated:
3.01.56
